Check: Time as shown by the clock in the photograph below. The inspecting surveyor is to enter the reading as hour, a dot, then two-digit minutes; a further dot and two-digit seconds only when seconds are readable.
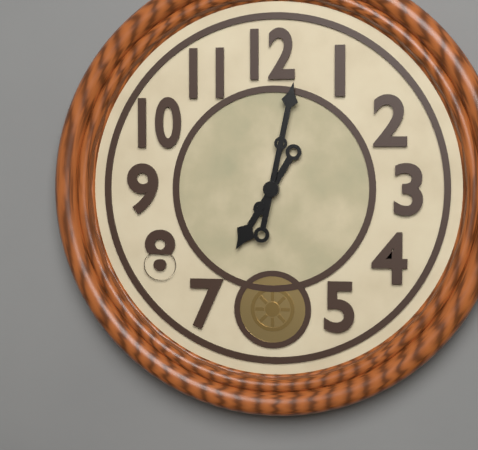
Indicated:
7.02
